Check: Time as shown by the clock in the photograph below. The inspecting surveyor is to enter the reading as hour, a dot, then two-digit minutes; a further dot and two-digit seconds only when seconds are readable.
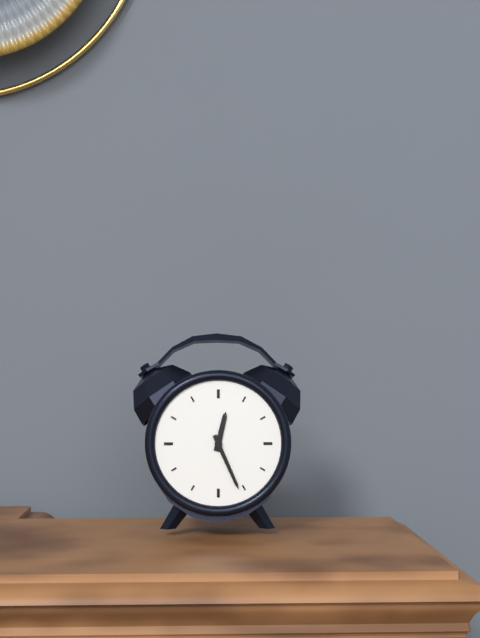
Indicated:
12.26
